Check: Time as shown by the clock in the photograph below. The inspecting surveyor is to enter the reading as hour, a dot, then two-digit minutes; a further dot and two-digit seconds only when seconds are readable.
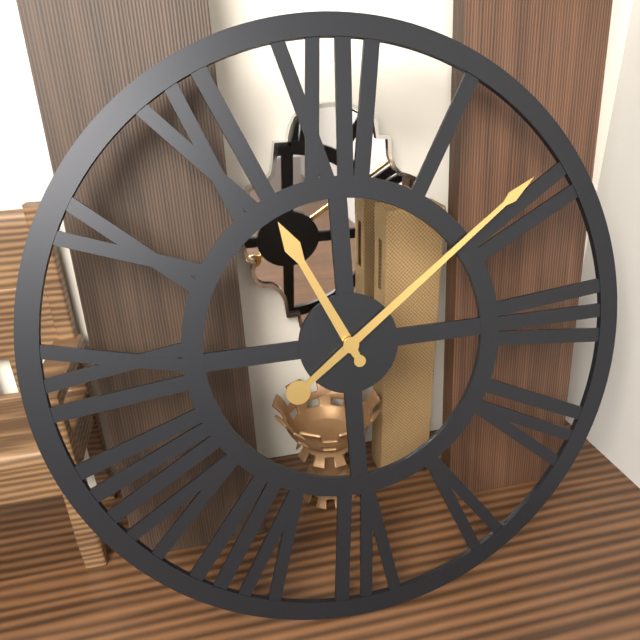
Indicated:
11.09
